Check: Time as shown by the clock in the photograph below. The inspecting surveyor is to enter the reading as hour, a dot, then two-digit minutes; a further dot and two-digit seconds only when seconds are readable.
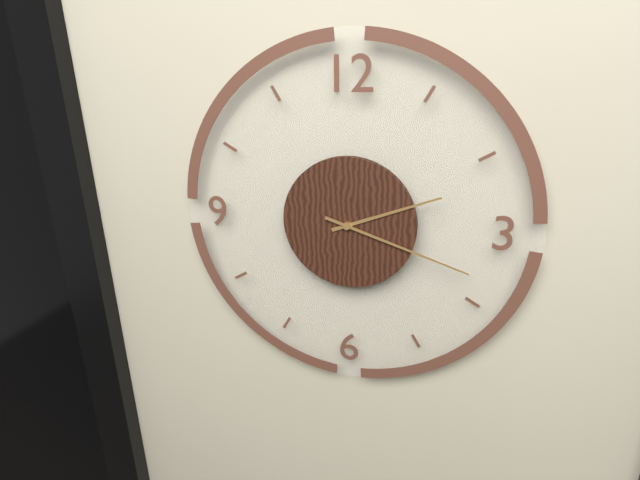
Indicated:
2.18
